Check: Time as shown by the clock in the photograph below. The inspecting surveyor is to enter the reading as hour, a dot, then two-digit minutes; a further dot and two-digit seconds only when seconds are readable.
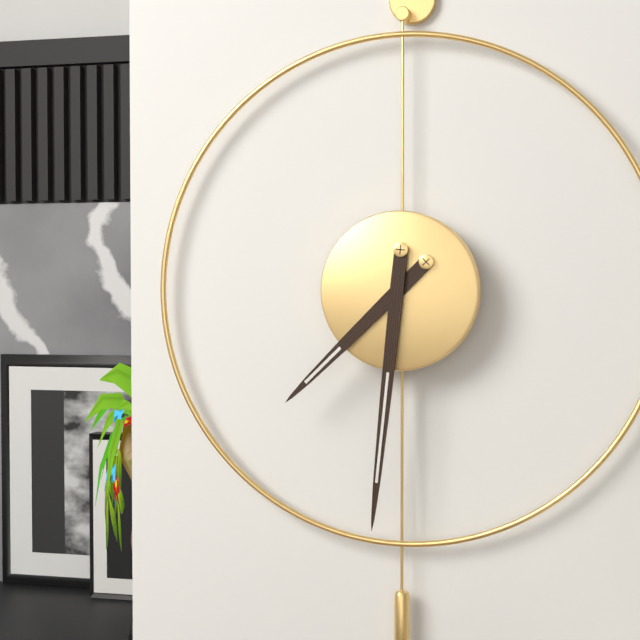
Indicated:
7.31
